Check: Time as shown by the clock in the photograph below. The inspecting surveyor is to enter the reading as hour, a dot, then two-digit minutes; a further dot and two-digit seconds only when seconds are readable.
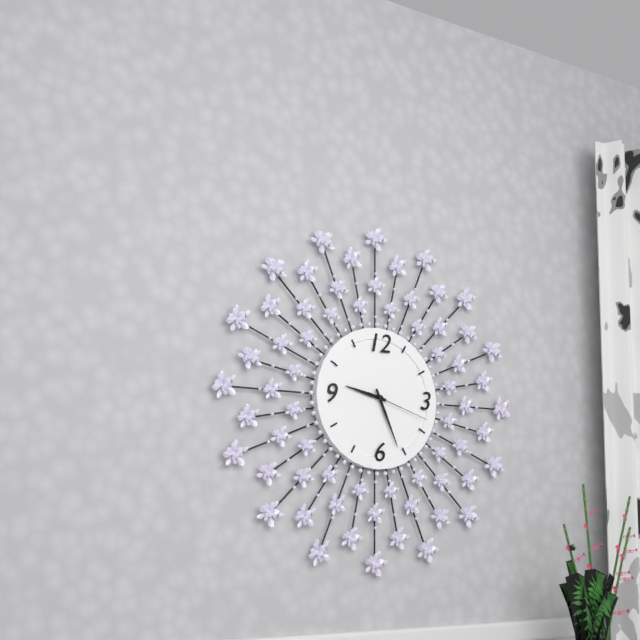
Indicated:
9.26.18
